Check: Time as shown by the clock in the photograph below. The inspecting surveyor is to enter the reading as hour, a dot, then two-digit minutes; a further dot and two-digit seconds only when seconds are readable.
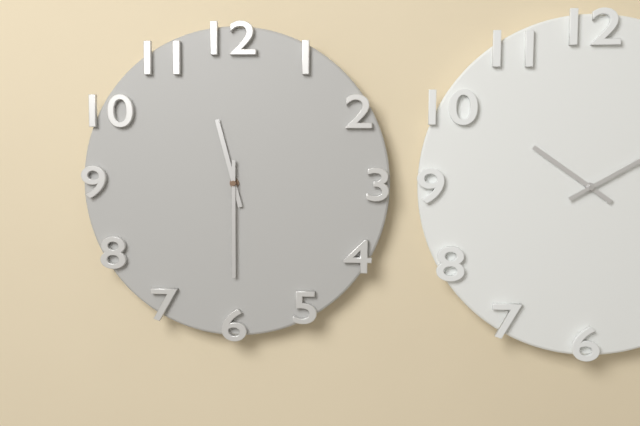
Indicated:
11.30
